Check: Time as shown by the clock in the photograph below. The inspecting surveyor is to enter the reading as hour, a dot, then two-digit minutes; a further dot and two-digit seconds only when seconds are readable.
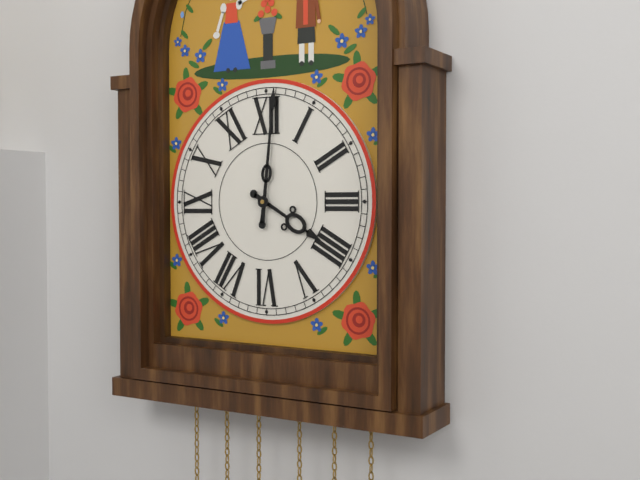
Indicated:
4.01
